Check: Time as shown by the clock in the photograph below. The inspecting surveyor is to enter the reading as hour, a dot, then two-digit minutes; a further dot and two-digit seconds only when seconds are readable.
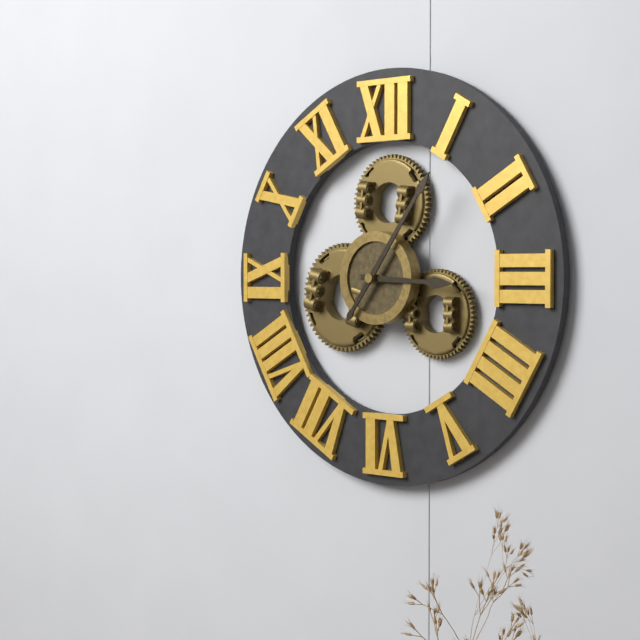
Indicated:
3.06
